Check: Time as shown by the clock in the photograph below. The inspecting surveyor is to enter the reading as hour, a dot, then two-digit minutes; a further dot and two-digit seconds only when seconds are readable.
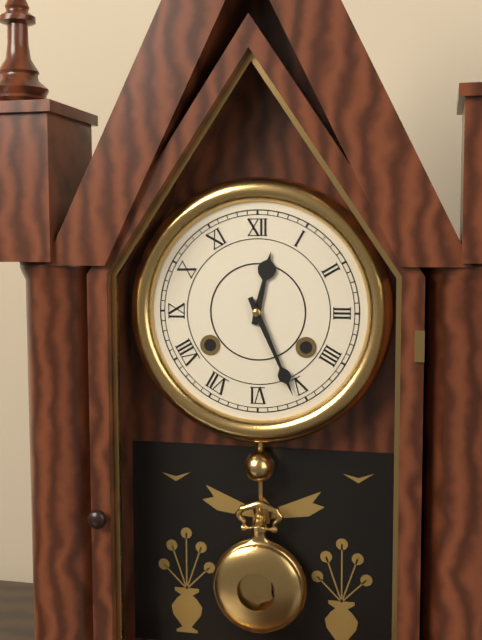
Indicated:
12.26
